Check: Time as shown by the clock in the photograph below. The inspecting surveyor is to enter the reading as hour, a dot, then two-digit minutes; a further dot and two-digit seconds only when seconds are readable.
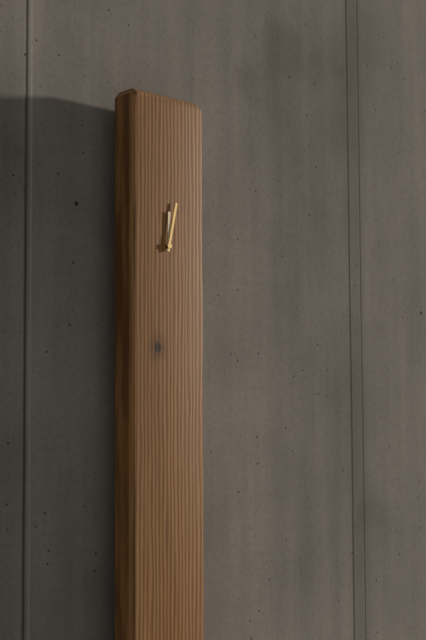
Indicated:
12.02
